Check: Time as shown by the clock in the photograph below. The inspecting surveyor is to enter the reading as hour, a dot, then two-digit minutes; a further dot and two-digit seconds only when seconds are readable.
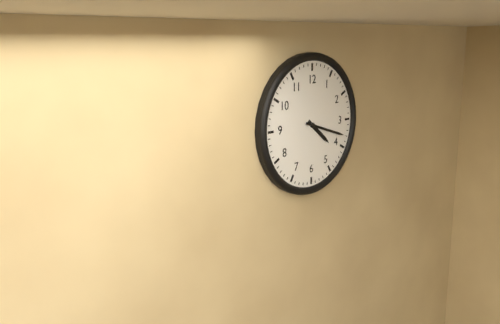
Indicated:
4.18
